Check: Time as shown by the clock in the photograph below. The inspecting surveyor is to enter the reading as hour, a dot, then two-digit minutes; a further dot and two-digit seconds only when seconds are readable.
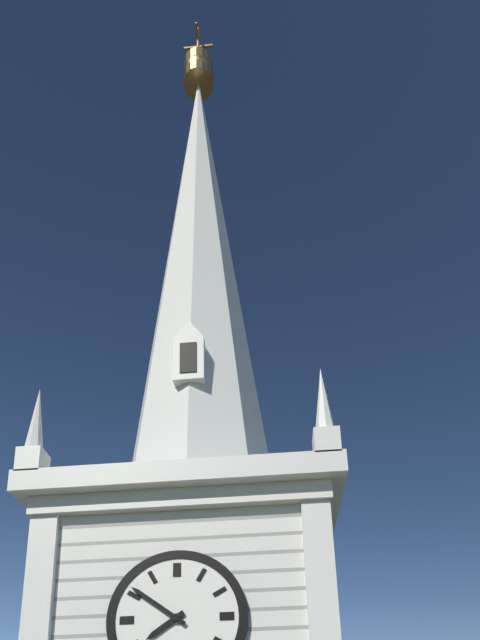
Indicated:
7.51
